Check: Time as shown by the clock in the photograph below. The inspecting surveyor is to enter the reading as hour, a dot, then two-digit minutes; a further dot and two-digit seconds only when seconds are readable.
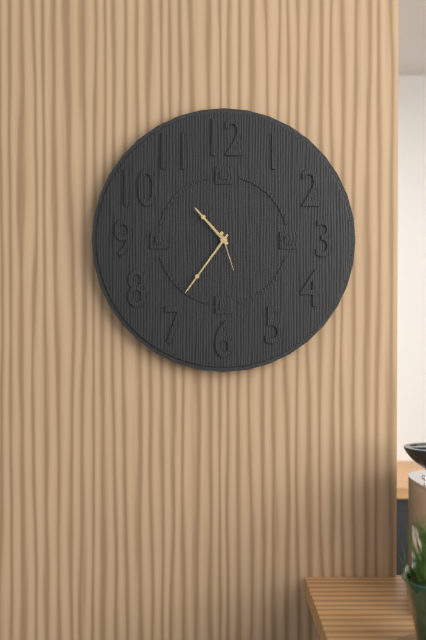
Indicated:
10.36
